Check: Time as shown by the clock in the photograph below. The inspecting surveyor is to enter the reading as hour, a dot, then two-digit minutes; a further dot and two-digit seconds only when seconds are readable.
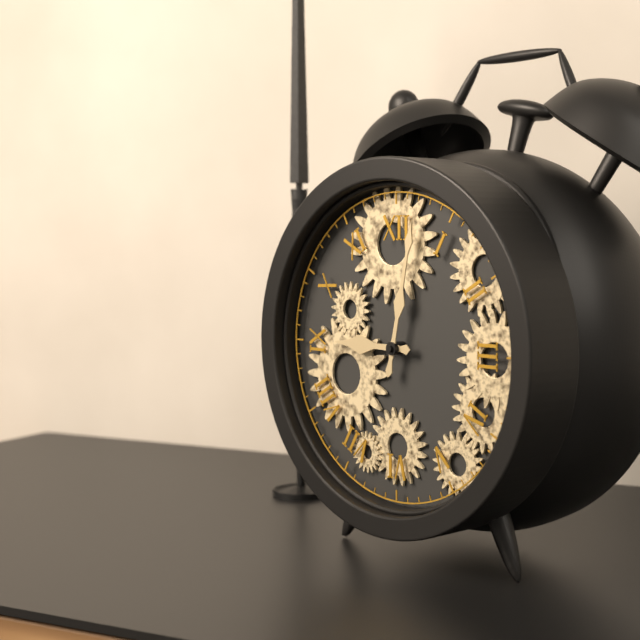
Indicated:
9.02
